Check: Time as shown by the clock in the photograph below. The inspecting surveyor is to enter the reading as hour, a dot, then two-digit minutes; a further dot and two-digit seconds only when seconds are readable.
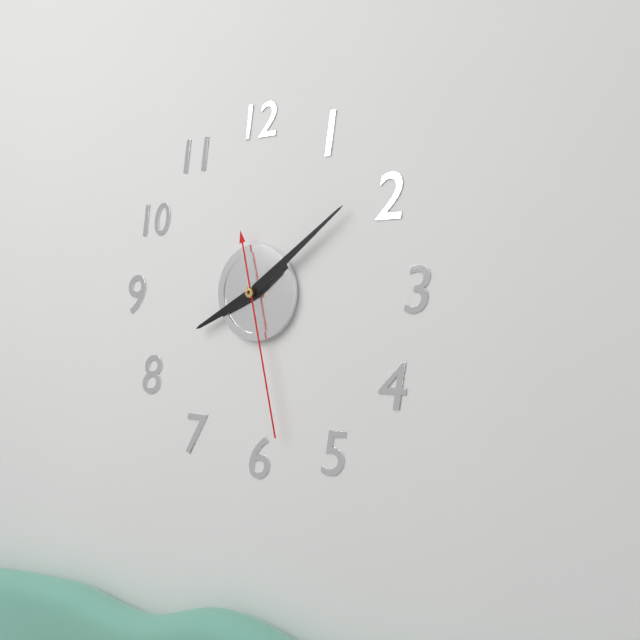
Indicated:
8.09.28
